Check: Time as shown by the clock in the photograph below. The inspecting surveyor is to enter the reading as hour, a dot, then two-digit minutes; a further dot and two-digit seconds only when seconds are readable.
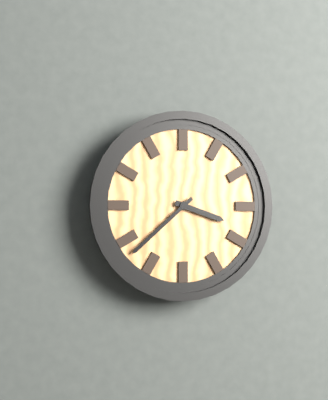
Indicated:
3.38
